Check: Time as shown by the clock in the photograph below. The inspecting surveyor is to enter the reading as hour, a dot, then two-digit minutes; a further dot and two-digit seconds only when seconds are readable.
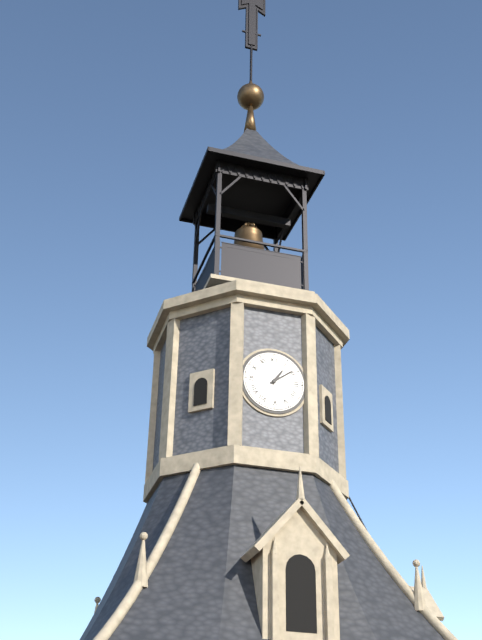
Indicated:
1.09
